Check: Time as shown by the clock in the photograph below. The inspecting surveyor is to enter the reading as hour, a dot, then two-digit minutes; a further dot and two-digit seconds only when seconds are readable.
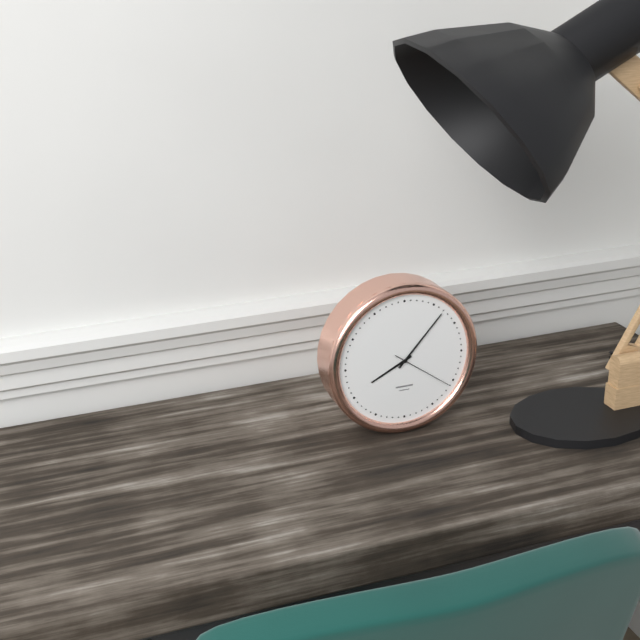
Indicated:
8.07.21
